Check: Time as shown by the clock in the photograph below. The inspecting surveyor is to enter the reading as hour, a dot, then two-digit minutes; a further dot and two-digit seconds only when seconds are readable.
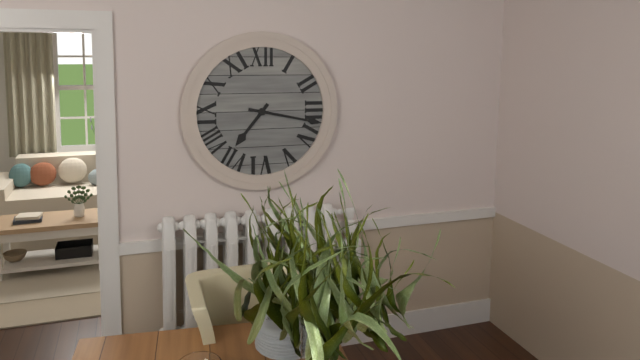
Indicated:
7.17
